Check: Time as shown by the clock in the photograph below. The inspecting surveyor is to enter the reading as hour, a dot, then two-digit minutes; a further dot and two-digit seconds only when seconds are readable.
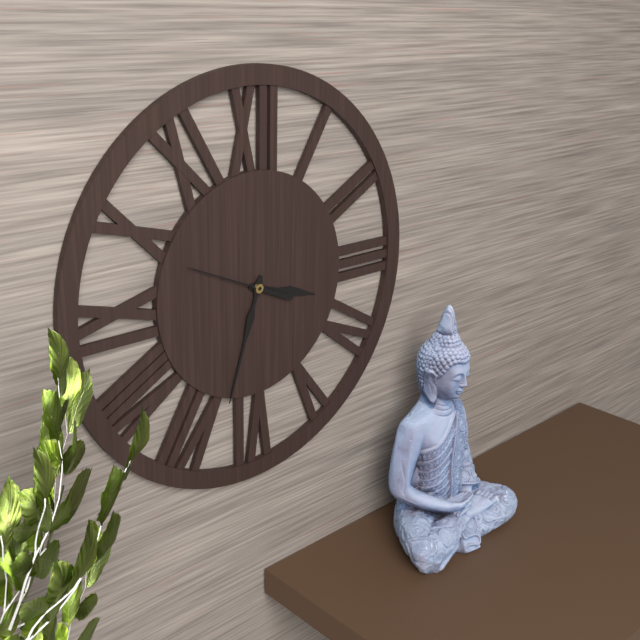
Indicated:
3.33.49
